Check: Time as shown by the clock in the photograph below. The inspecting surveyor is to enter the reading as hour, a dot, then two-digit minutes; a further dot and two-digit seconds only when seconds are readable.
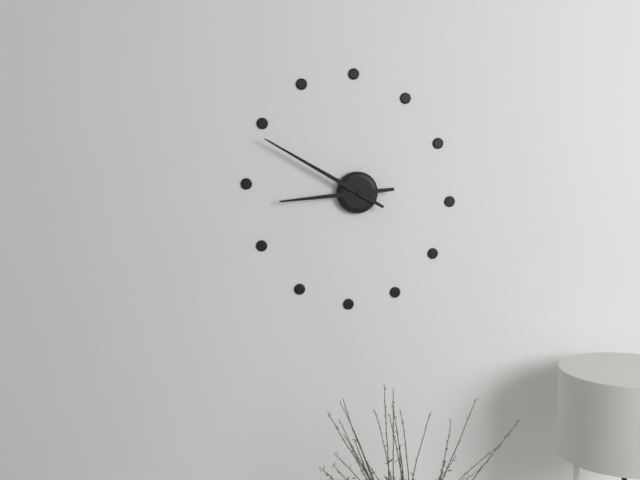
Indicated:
8.50
